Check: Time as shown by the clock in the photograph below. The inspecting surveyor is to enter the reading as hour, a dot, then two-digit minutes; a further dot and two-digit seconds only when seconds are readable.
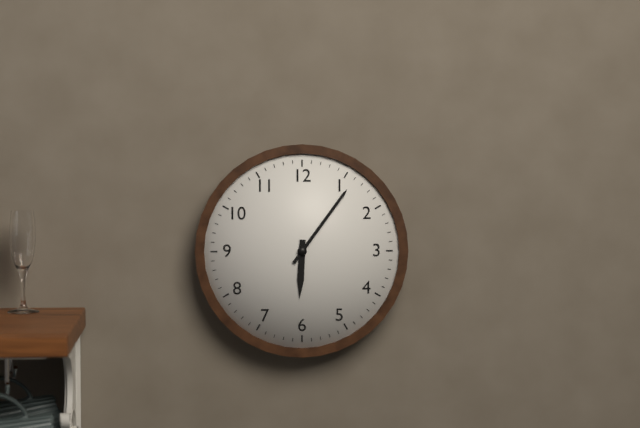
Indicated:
6.06
